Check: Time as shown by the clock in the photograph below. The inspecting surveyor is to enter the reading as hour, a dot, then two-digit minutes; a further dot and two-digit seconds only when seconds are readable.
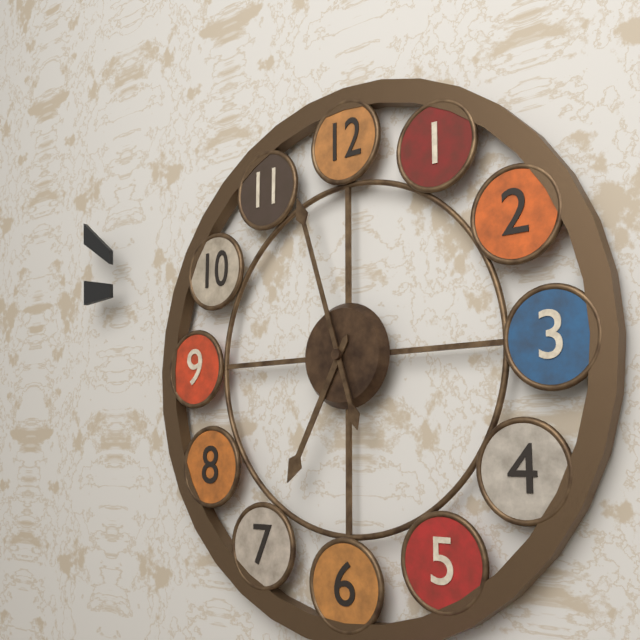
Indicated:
6.57
